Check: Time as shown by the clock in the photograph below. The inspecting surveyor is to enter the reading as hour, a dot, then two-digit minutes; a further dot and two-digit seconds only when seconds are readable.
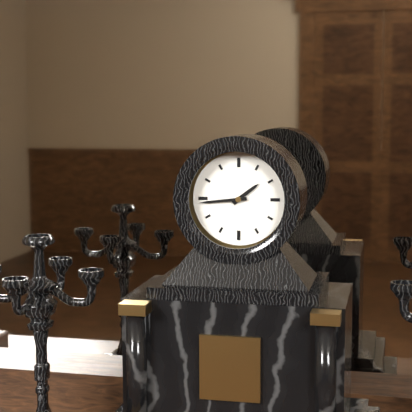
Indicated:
1.44
